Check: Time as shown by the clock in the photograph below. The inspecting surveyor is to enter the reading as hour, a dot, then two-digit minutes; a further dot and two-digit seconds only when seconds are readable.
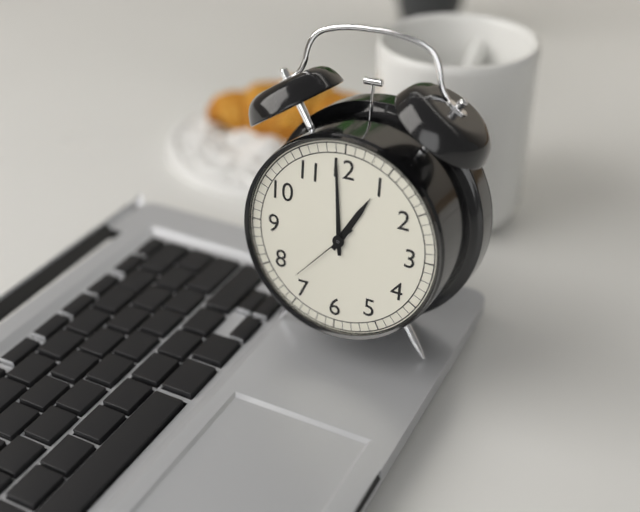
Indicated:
12.59.37
